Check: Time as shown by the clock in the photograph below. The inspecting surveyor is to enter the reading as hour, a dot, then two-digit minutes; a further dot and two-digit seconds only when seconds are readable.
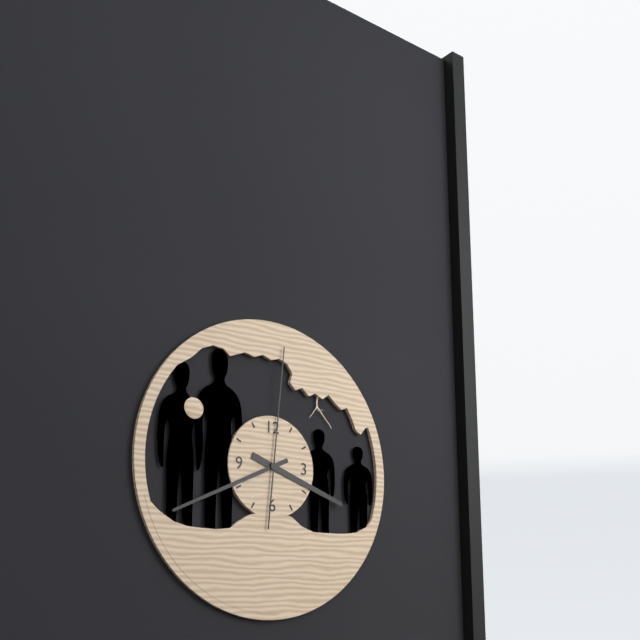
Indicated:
3.41.01
